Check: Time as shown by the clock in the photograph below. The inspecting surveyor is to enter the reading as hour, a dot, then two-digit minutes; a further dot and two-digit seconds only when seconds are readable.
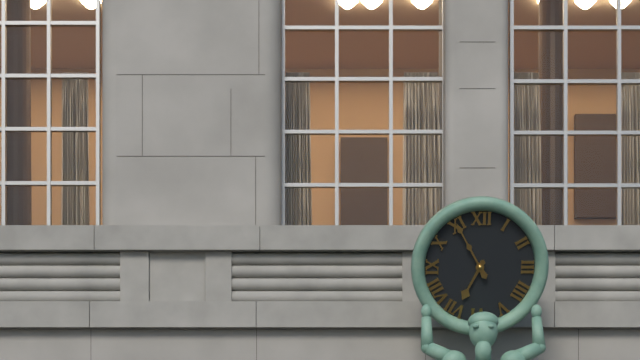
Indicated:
6.55
